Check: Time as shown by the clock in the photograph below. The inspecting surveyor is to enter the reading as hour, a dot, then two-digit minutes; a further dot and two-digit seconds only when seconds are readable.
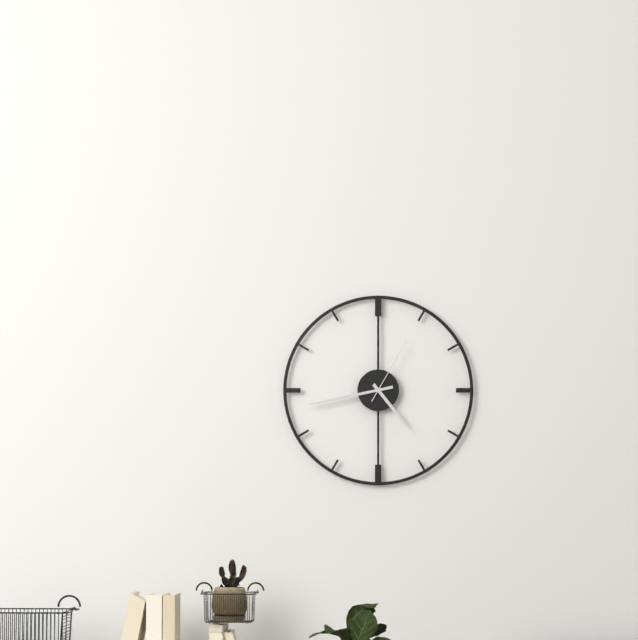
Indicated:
4.43.05
